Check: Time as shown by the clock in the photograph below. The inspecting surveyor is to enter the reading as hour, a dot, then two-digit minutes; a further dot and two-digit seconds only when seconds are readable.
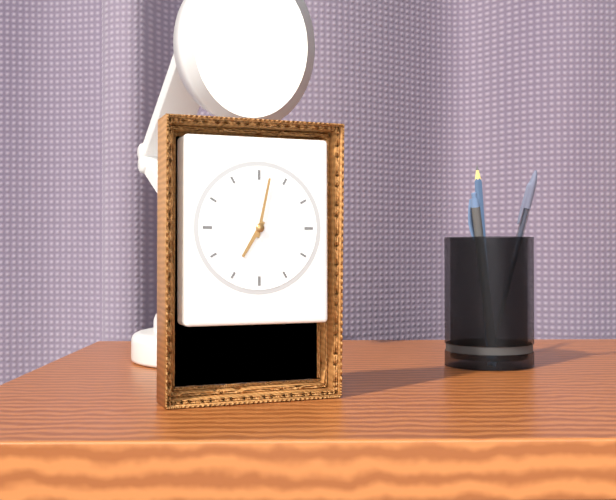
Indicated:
7.02
